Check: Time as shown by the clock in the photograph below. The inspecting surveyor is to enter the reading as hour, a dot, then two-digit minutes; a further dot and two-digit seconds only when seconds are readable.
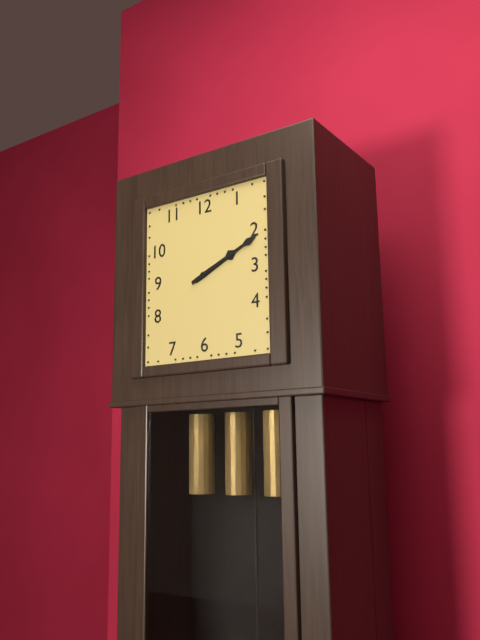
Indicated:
2.11
